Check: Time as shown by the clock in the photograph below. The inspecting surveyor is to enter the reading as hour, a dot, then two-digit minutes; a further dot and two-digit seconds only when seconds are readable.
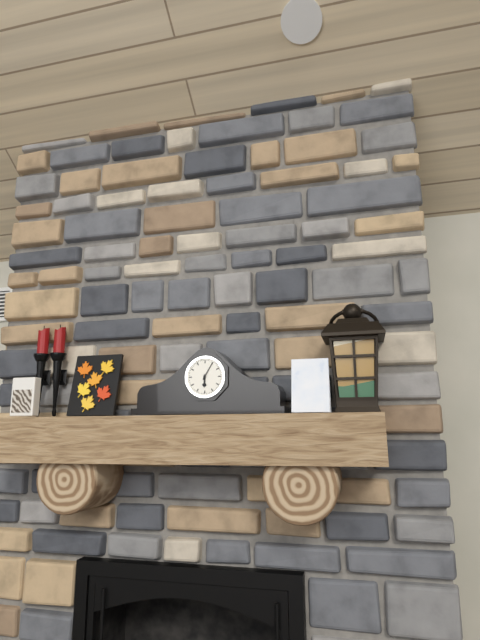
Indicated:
6.05
